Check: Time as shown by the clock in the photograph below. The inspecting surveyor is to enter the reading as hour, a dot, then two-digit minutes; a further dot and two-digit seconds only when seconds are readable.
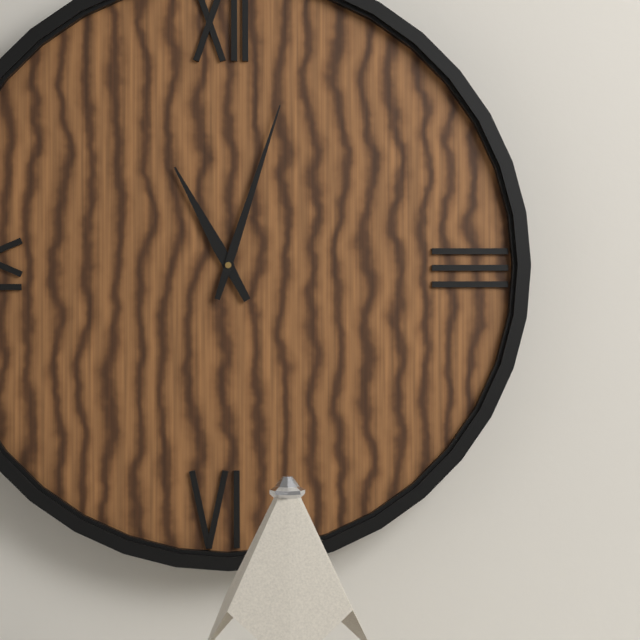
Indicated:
11.03
